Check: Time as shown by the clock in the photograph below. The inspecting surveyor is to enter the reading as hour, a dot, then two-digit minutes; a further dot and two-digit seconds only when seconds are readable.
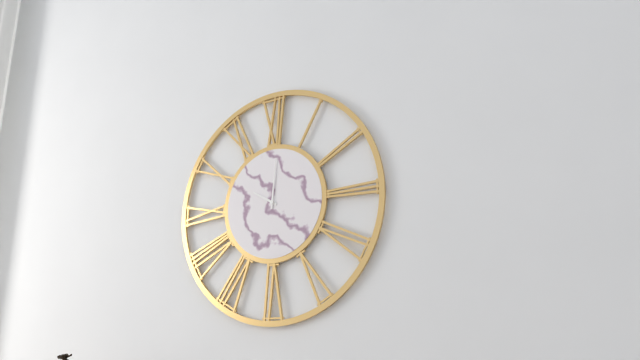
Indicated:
10.01
